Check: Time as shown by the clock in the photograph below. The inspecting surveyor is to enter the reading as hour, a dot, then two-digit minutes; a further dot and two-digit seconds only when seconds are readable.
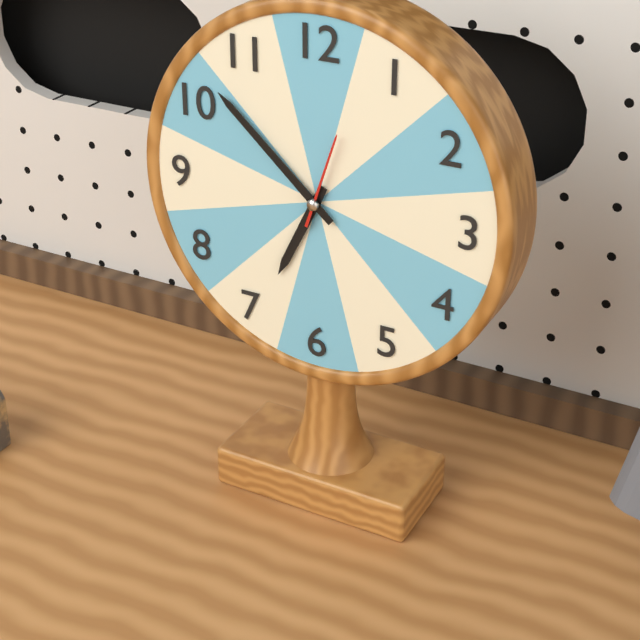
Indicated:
6.52.03
